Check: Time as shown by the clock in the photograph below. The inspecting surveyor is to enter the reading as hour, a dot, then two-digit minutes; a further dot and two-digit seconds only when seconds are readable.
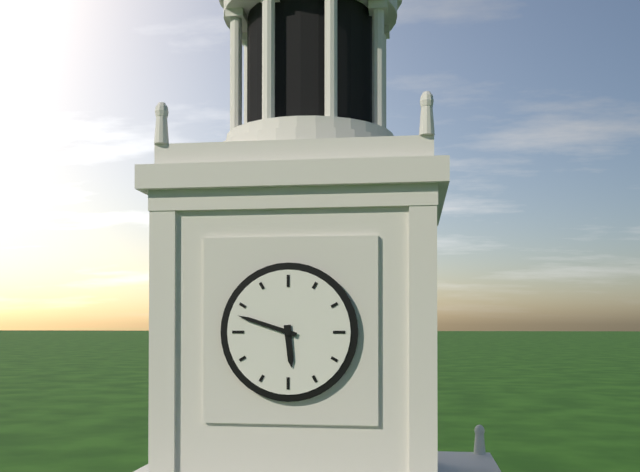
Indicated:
5.48
